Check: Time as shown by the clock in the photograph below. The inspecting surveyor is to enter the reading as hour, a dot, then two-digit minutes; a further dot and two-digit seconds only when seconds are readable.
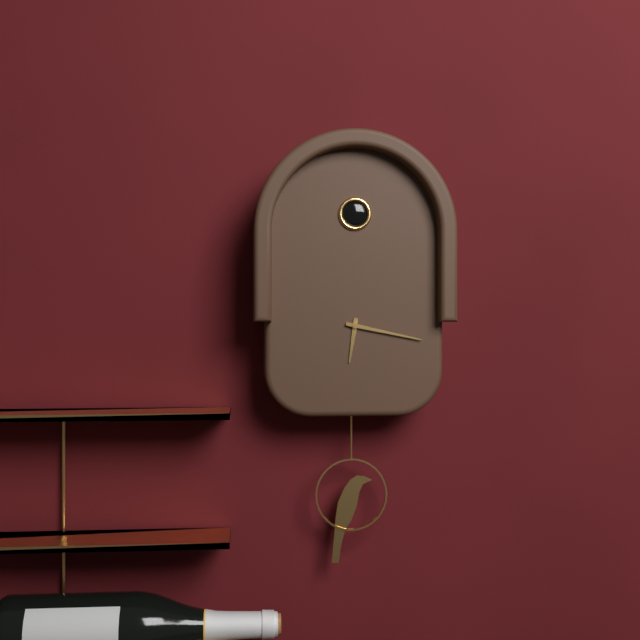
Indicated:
6.17
